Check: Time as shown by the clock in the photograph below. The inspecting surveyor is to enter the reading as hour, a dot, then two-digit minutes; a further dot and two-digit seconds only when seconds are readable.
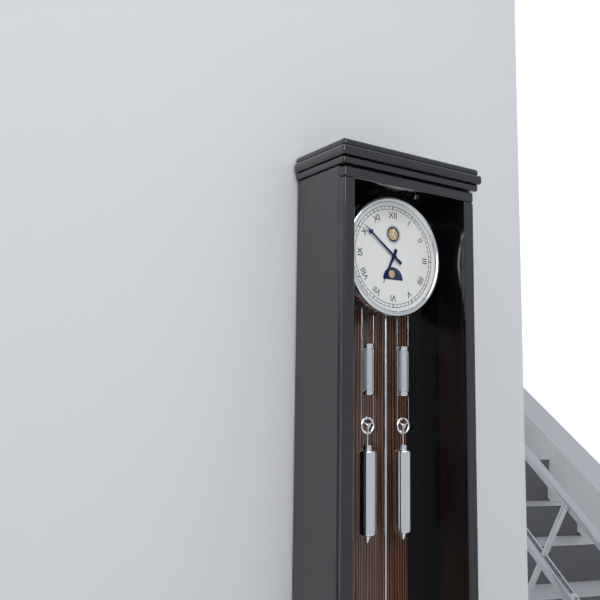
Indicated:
6.51
